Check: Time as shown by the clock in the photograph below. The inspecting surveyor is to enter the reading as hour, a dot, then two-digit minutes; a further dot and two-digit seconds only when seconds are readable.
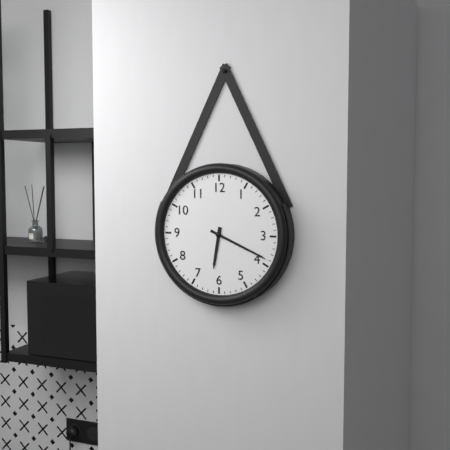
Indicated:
6.19
